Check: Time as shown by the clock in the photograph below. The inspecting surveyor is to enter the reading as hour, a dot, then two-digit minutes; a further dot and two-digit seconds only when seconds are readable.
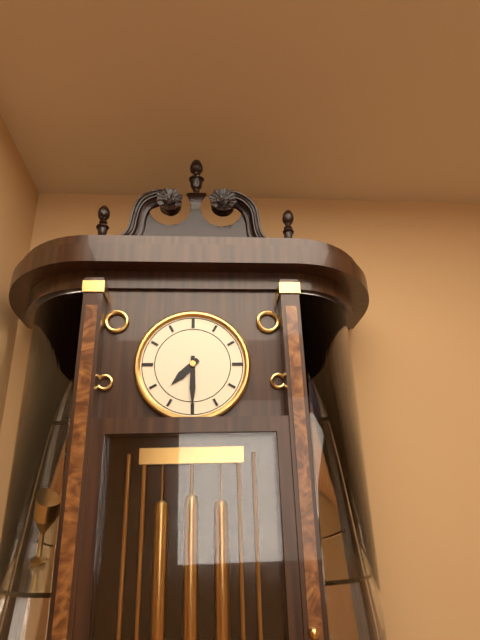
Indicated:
7.30
